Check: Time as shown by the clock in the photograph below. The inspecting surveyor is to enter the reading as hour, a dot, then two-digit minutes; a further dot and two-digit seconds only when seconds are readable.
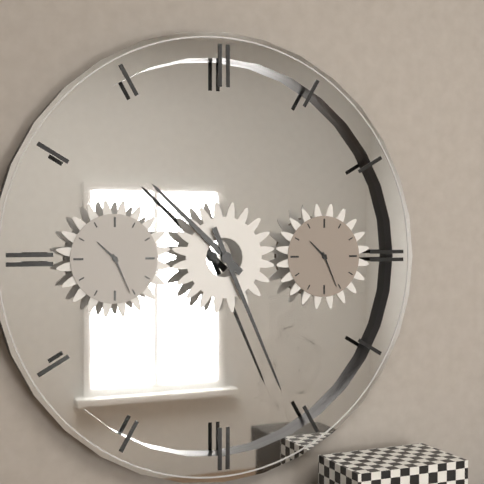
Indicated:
10.26
